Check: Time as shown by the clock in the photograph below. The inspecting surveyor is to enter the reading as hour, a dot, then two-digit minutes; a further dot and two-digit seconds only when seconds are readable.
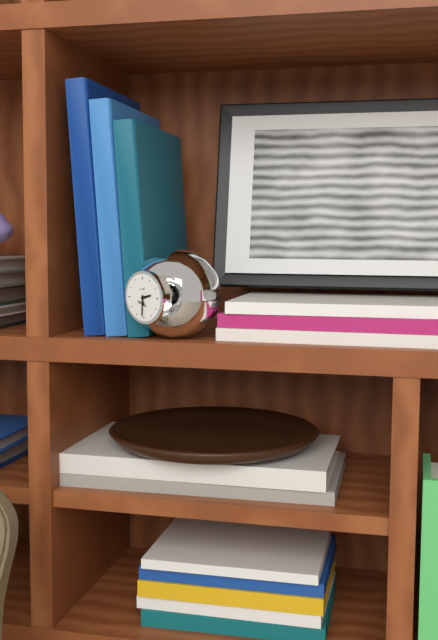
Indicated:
2.31
